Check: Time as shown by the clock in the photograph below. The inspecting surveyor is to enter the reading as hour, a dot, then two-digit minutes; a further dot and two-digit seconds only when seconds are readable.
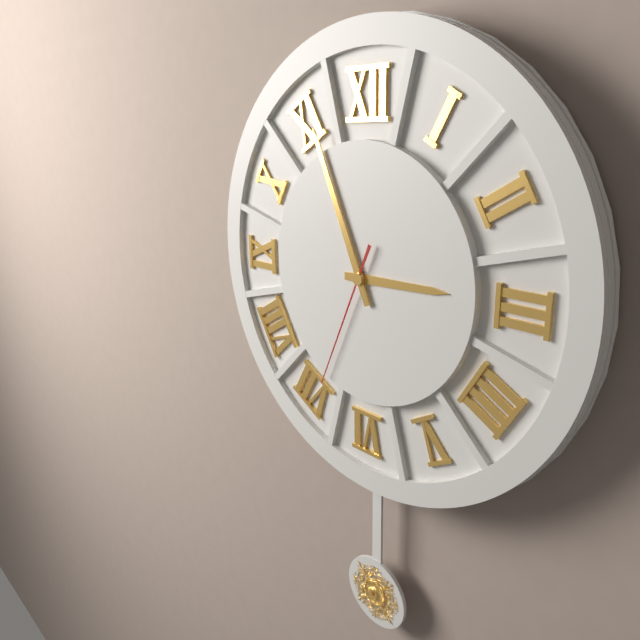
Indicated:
2.56.34
